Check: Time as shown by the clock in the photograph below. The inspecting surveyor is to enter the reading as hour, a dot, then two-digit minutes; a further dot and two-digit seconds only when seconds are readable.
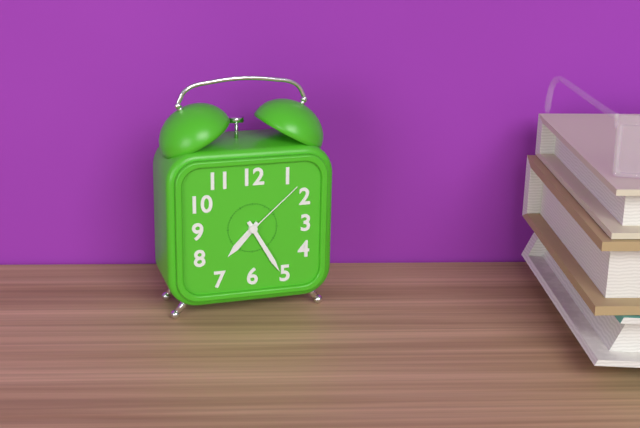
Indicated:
7.25.08
